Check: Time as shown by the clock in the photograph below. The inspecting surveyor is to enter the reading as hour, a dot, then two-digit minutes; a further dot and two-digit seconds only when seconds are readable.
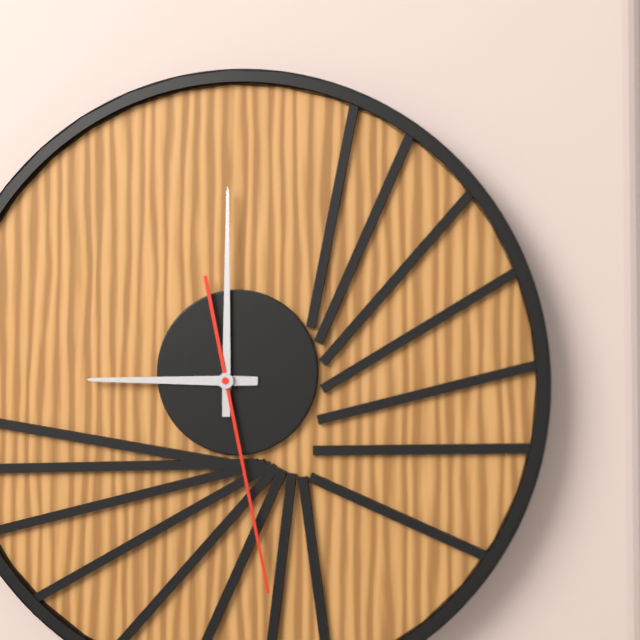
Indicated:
9.00.28
